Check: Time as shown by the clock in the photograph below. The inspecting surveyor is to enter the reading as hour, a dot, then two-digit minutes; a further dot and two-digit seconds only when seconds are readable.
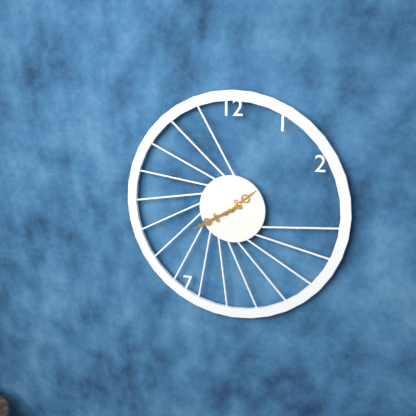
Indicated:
1.40
